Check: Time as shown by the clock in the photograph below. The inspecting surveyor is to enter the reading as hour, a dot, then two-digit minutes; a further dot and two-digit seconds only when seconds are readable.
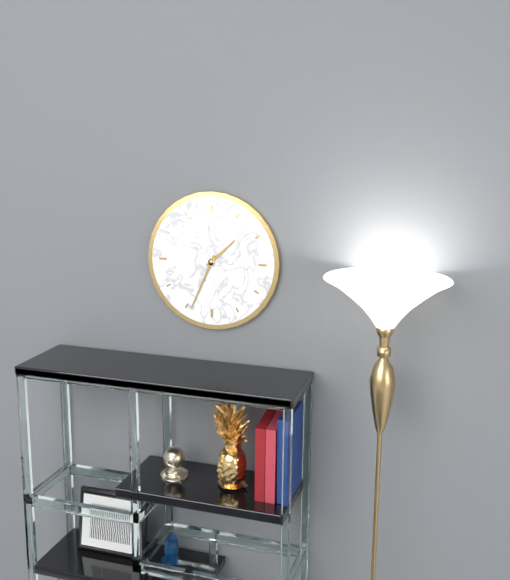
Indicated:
1.34
